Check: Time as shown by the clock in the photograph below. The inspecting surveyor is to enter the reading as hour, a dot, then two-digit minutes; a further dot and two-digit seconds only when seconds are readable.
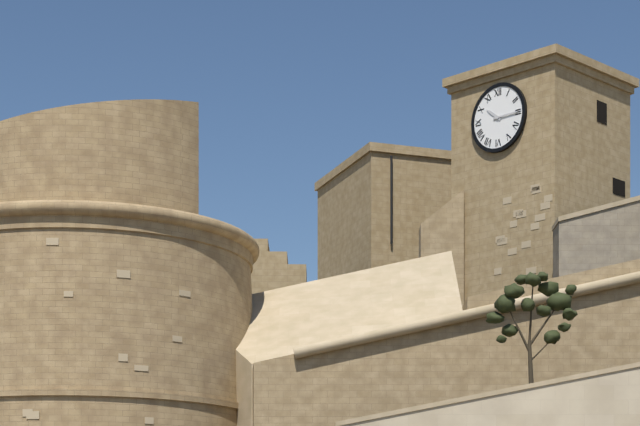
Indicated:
10.15
